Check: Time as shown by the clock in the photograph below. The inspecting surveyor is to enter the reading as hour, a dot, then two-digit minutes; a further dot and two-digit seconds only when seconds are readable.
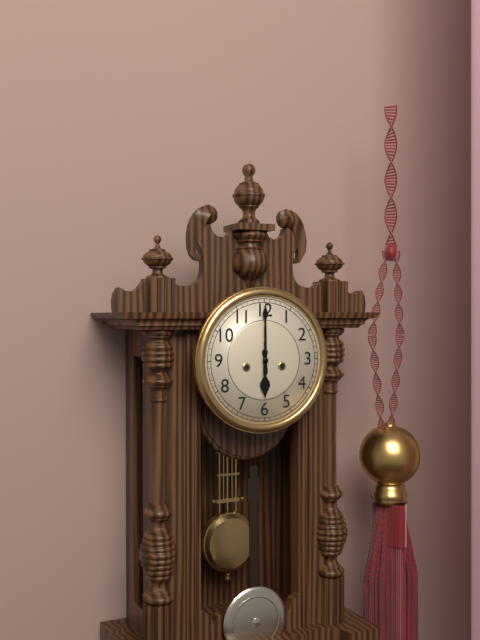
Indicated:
6.00
